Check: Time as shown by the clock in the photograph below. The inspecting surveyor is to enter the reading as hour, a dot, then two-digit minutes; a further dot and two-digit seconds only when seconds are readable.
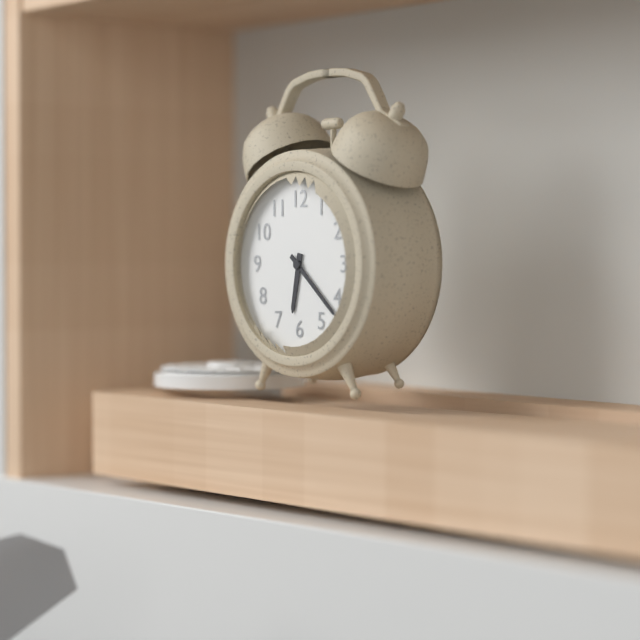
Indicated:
6.22
